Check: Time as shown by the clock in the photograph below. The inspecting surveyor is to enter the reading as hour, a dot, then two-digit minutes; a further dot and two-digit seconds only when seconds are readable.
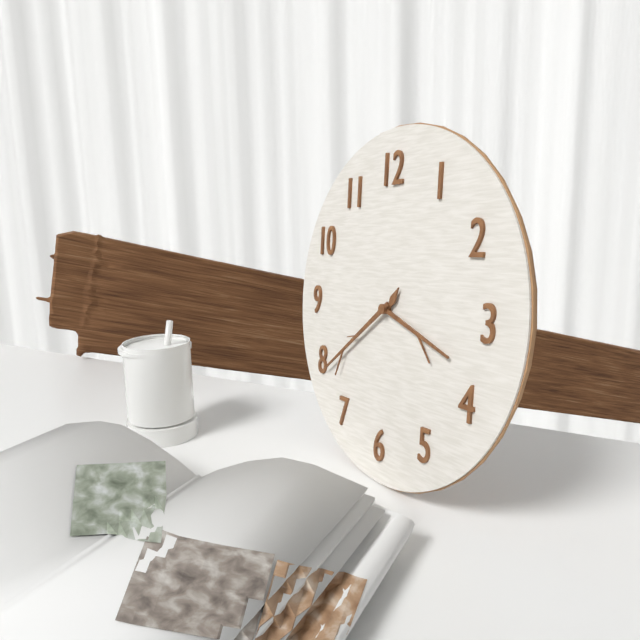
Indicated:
3.39
